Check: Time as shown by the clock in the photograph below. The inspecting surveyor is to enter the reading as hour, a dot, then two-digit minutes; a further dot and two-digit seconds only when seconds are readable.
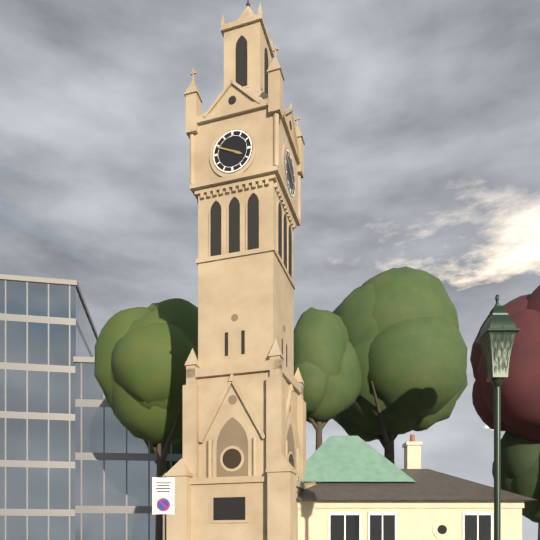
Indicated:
3.49
